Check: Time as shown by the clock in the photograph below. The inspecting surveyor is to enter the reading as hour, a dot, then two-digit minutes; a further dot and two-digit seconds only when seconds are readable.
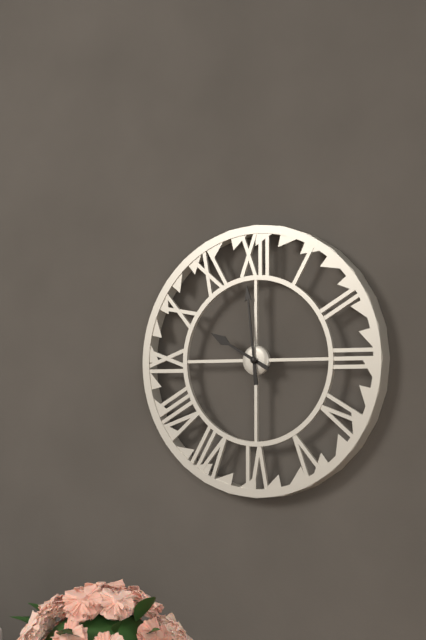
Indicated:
9.59
